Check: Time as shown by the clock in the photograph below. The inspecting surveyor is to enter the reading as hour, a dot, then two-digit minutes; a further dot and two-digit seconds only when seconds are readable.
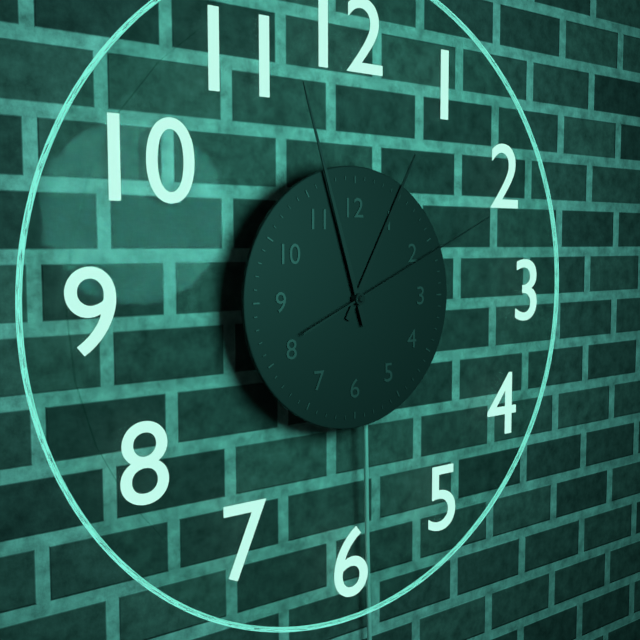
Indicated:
12.57.11
